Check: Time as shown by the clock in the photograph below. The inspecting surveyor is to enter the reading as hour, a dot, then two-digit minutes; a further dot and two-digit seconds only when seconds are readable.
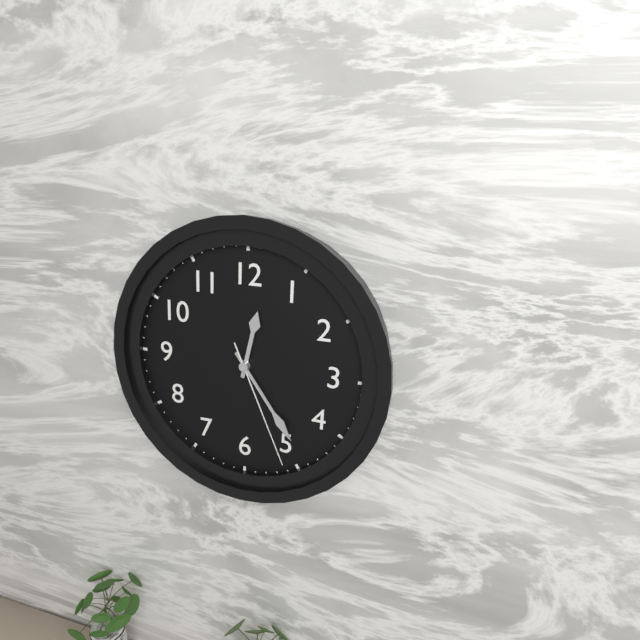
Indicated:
12.24.26
